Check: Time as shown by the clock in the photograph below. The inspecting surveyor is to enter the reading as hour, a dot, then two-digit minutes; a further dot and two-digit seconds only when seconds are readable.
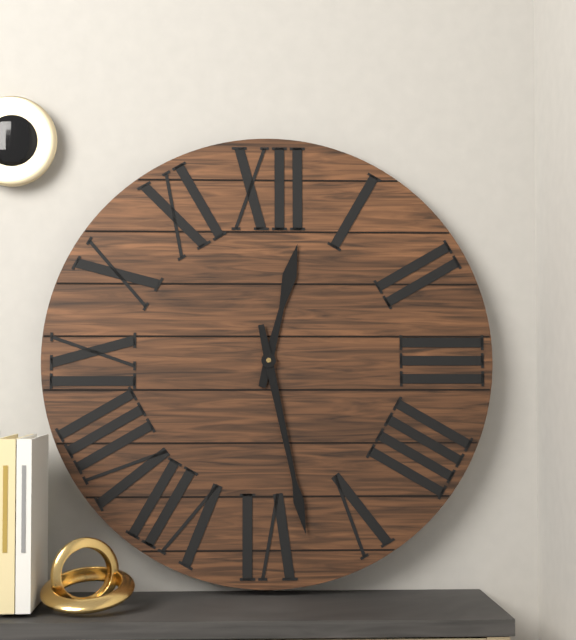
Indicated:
12.28
